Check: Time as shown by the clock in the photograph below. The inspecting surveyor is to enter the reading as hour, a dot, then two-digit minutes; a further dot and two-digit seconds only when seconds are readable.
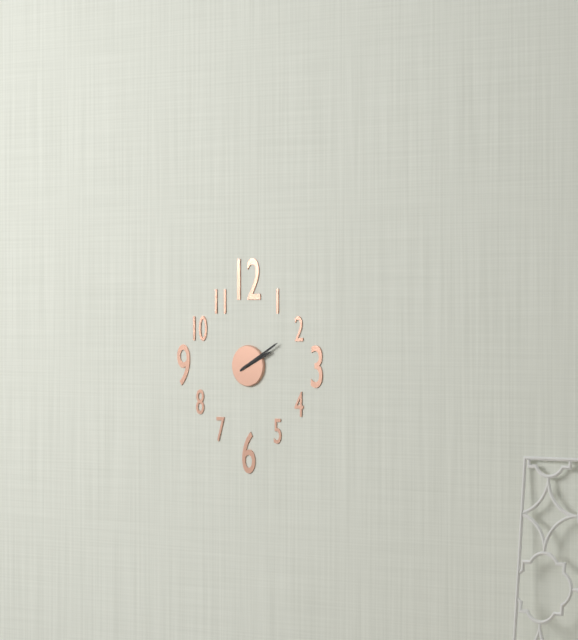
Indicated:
2.10
